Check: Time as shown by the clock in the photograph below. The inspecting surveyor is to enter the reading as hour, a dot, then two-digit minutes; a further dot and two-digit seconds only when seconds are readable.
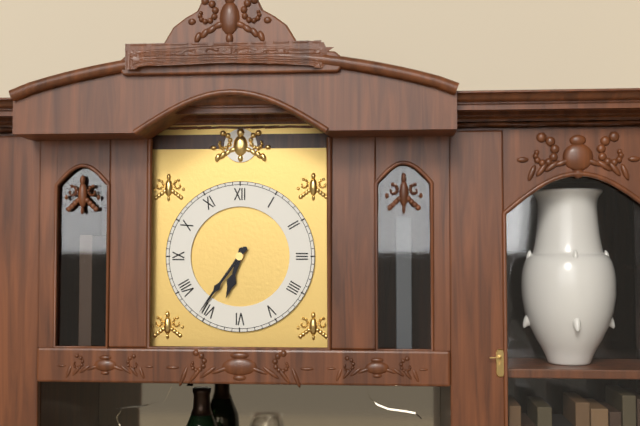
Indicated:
6.36
